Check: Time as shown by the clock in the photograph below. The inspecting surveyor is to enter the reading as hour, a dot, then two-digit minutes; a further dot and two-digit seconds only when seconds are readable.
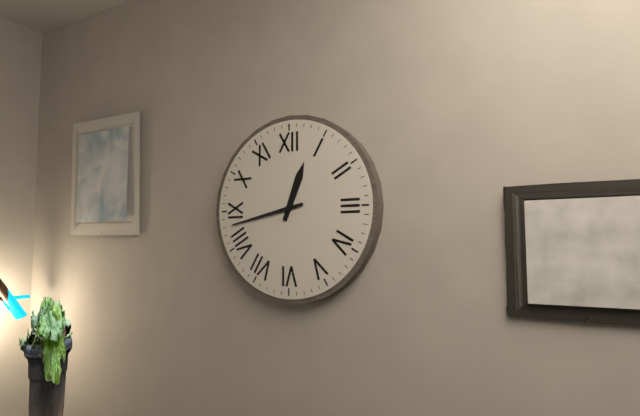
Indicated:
12.43
